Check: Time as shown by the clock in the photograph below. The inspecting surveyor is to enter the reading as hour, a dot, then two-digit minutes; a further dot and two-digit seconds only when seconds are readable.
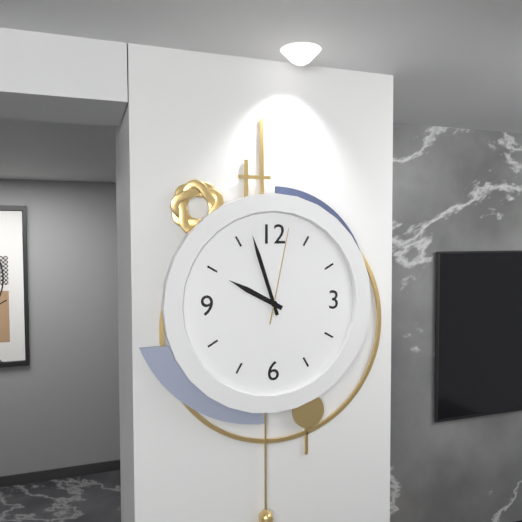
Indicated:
9.57.02
